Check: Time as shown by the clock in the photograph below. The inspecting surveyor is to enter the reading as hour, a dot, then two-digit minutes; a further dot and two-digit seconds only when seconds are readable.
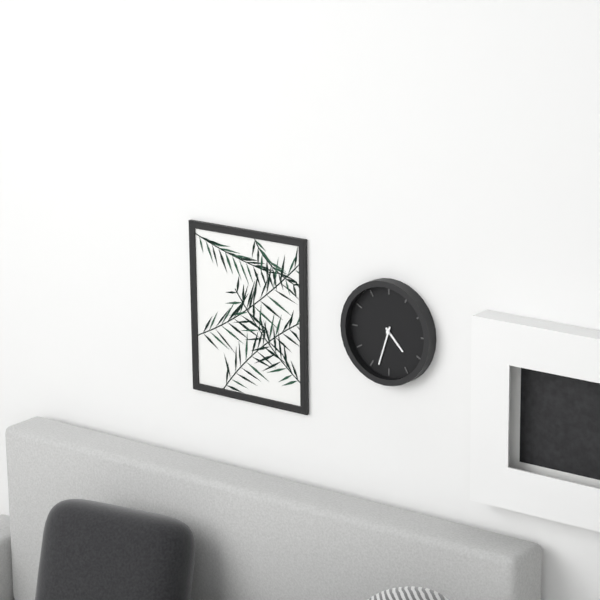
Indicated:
4.33
